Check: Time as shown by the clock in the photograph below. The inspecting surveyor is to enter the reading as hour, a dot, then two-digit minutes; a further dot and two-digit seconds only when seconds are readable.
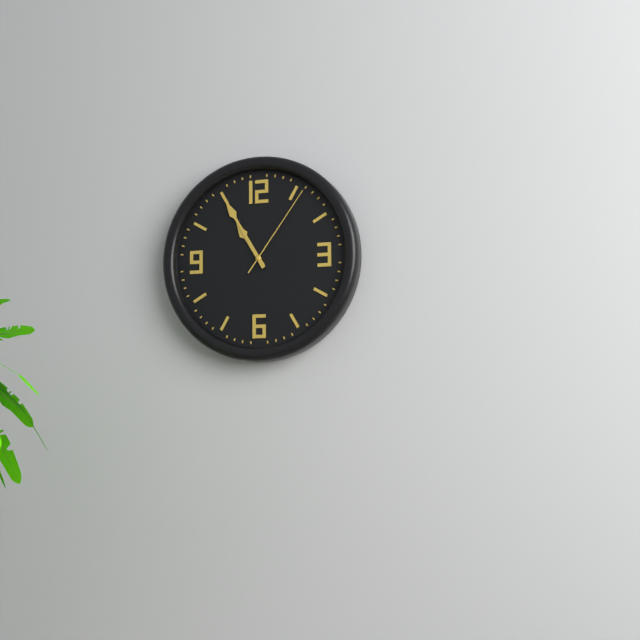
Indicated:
10.55.06
